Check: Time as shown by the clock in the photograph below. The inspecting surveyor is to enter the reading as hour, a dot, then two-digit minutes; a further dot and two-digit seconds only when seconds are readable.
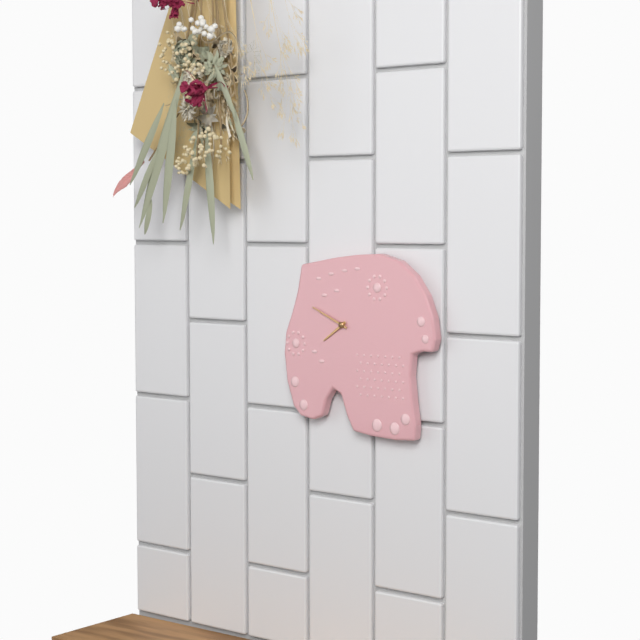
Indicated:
7.49
